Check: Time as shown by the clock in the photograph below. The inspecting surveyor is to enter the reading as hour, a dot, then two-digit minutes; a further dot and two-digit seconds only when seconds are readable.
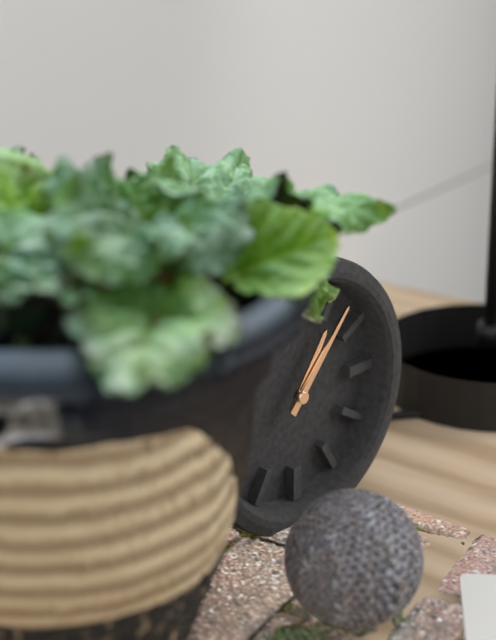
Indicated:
1.07
